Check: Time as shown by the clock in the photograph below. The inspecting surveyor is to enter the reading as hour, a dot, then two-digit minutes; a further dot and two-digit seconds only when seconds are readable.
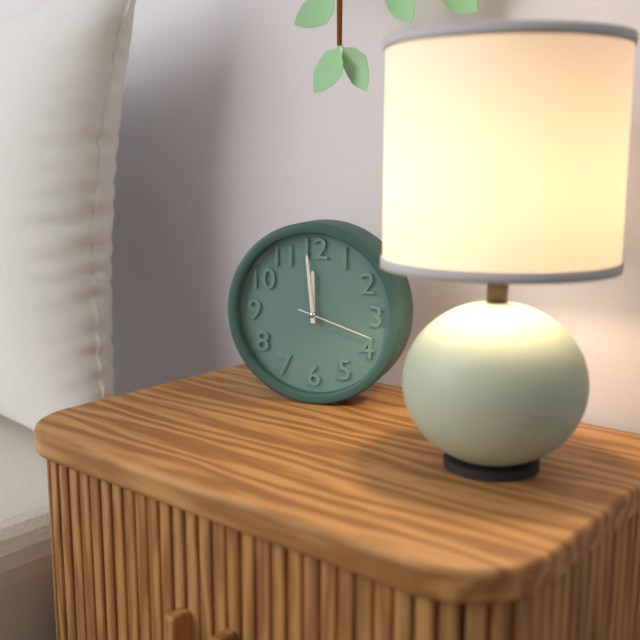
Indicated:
11.59.18
